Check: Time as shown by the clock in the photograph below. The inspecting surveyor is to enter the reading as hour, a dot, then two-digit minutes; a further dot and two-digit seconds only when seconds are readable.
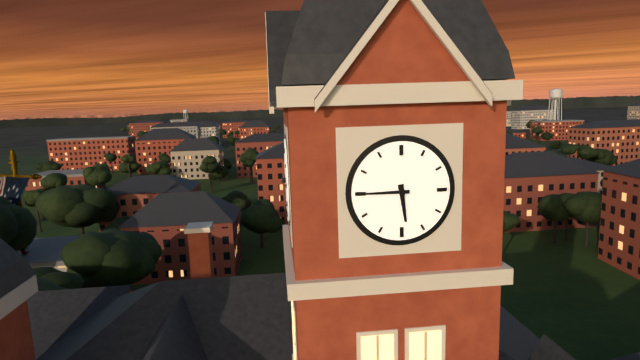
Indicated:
5.45
